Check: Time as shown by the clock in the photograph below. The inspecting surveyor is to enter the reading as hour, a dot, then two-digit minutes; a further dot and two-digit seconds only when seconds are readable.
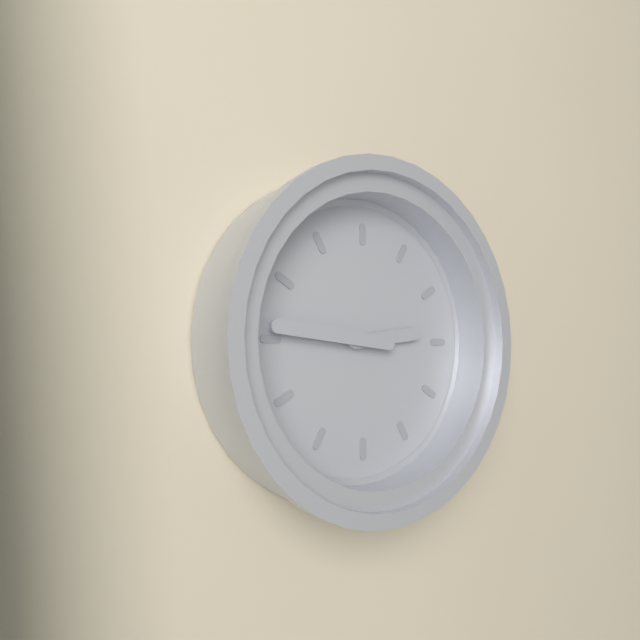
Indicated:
2.46
